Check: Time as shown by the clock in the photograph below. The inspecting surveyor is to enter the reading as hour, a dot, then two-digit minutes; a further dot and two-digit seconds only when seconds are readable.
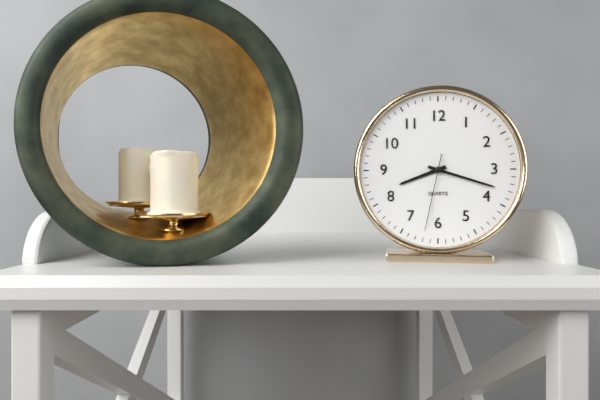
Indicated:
8.18.32
